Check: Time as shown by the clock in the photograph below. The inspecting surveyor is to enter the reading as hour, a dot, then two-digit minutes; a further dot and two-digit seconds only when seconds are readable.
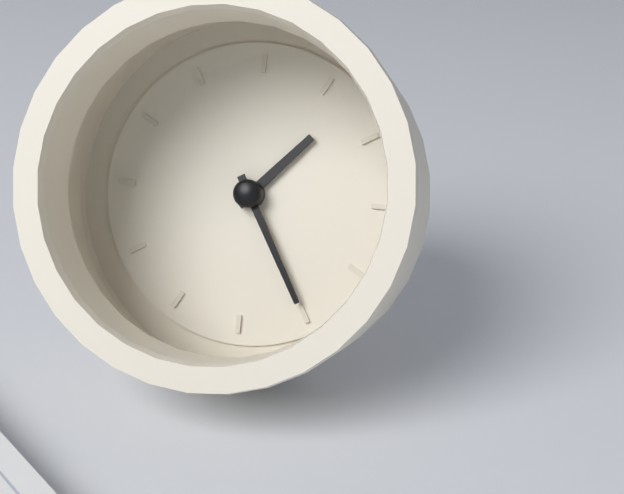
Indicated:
1.25
